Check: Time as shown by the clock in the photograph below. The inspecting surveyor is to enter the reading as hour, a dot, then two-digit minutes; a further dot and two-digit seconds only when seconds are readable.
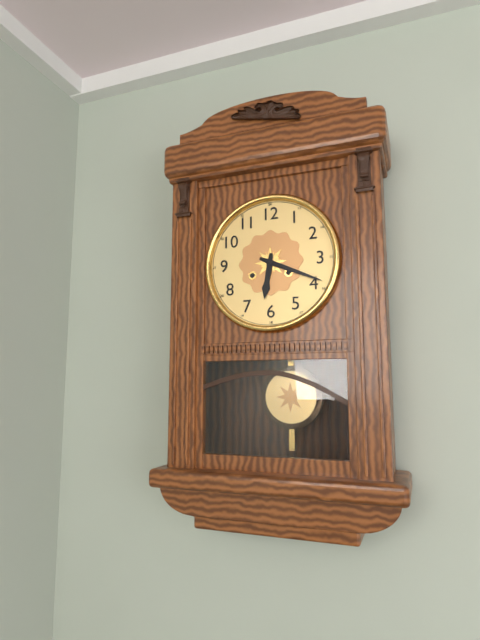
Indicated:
6.19
